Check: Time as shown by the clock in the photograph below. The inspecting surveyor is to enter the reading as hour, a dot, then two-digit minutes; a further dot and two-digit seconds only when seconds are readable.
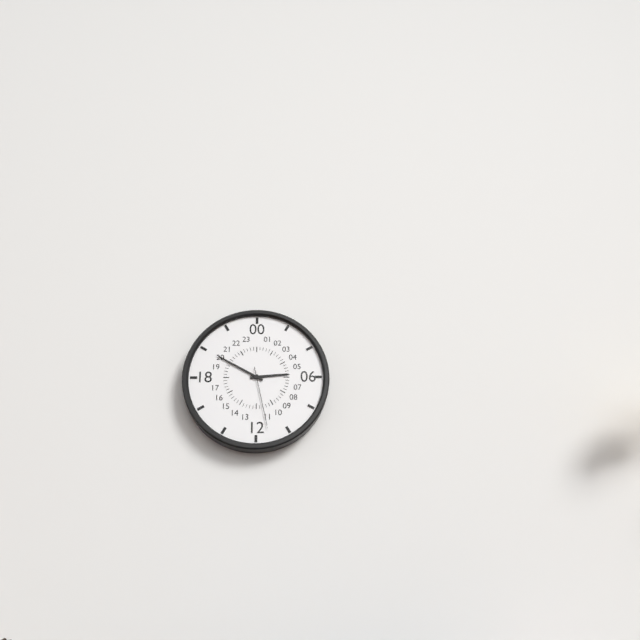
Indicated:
2.50.28
